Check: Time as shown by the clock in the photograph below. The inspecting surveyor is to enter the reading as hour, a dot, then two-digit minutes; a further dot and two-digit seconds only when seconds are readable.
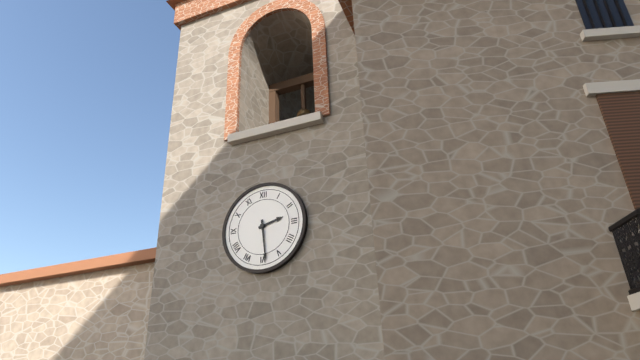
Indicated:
2.29
